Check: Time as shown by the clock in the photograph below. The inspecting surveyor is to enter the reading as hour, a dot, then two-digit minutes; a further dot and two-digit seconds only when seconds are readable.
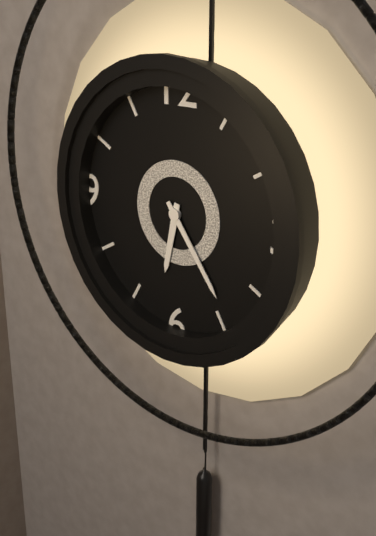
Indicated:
6.24
